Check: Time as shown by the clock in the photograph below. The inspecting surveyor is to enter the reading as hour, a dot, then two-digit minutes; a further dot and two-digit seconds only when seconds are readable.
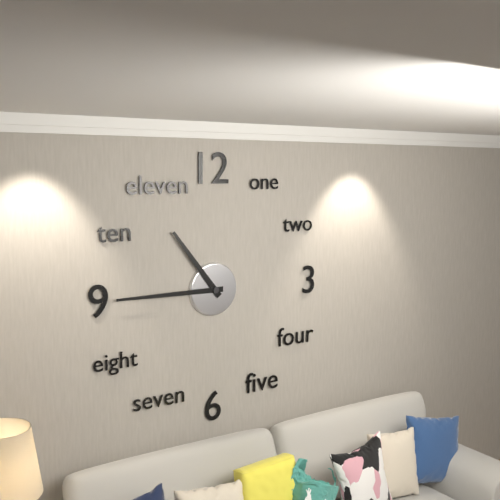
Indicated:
10.45
